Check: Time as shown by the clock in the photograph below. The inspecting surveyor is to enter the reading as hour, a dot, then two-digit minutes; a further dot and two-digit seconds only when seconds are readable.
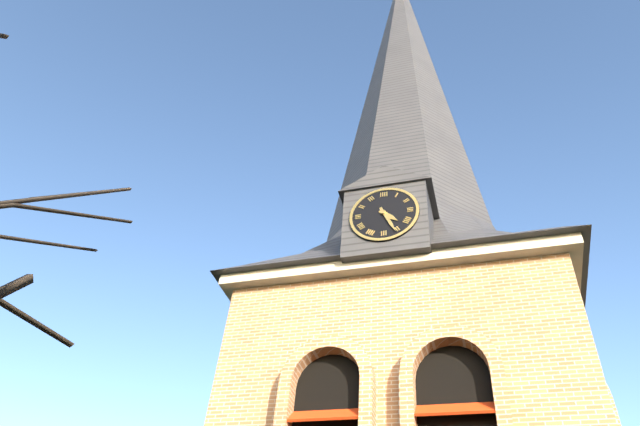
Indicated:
4.26
